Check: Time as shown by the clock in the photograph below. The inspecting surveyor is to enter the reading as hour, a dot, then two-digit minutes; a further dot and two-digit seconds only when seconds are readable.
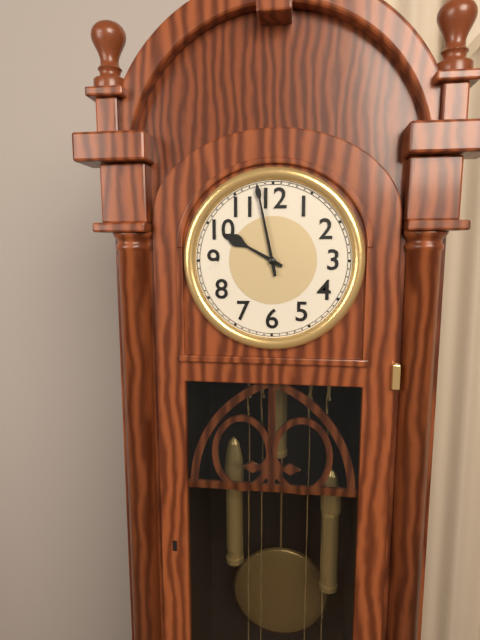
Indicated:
9.58
